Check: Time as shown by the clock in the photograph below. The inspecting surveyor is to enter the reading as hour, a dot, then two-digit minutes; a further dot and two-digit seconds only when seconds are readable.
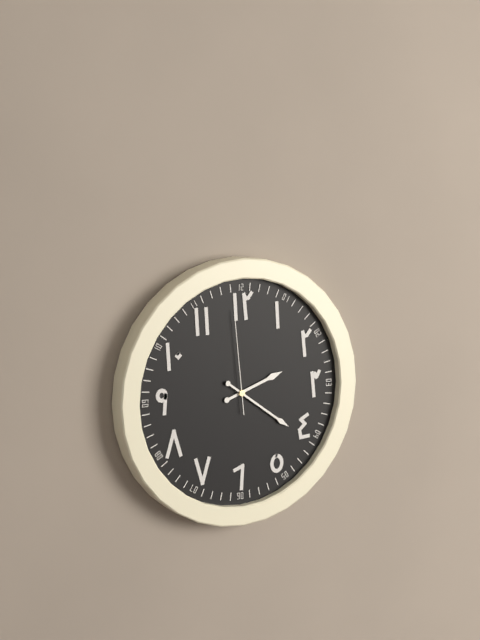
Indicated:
2.21.59
